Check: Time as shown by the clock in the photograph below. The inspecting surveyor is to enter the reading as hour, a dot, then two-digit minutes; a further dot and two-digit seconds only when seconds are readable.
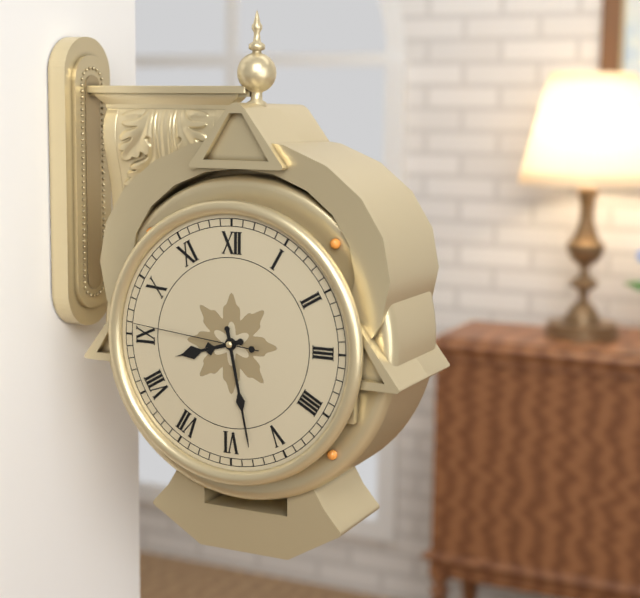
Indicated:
8.28.46
